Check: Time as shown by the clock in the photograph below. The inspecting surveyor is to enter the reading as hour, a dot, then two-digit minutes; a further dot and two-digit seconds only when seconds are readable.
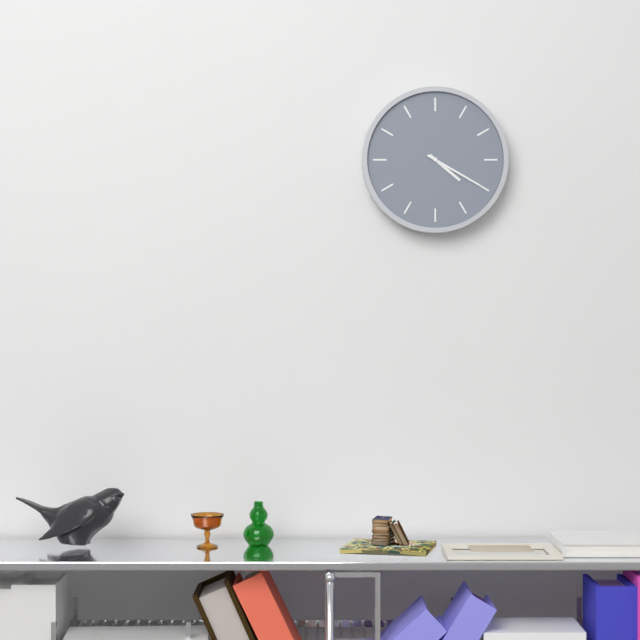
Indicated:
4.20
